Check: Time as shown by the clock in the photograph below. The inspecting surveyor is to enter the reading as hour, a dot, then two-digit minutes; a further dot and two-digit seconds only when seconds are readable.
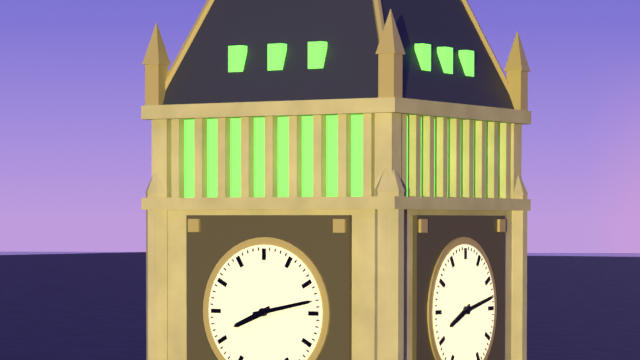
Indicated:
8.13
